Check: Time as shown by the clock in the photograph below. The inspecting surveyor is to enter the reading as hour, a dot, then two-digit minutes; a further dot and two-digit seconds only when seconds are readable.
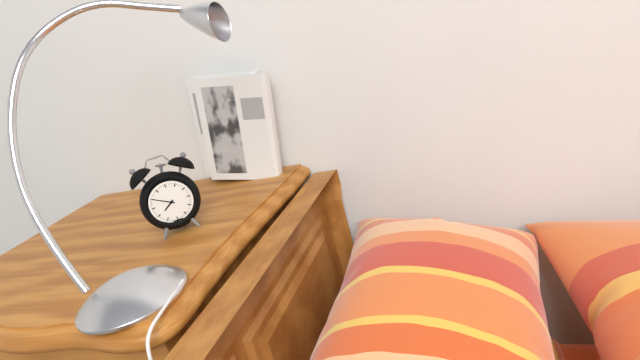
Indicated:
7.50
